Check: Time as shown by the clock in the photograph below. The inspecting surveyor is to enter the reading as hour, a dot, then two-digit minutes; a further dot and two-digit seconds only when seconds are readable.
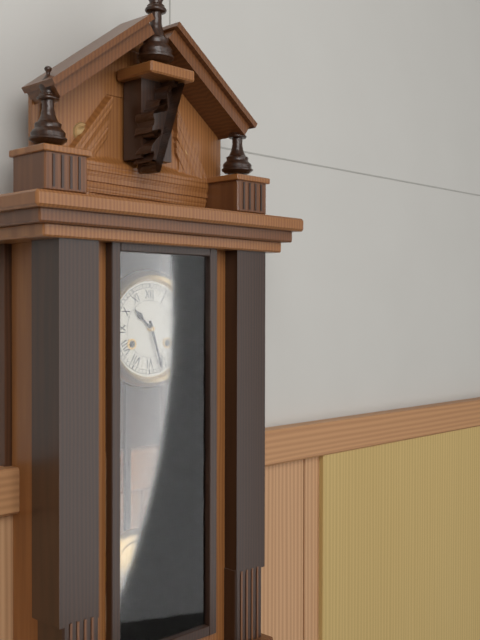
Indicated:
10.27
